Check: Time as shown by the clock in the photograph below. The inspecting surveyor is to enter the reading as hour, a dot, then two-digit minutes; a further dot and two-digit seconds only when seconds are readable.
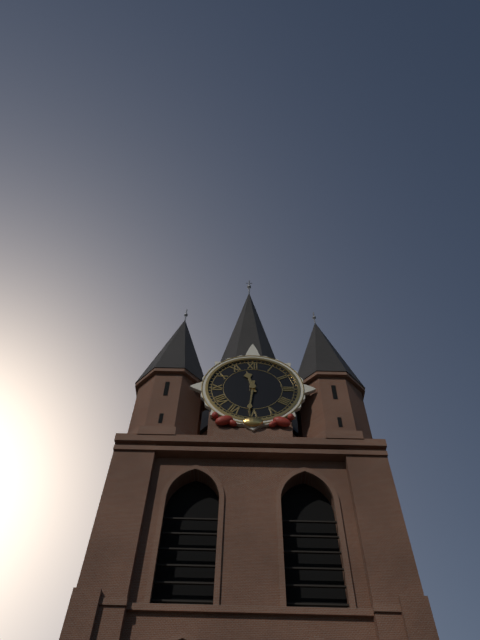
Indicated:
11.31
